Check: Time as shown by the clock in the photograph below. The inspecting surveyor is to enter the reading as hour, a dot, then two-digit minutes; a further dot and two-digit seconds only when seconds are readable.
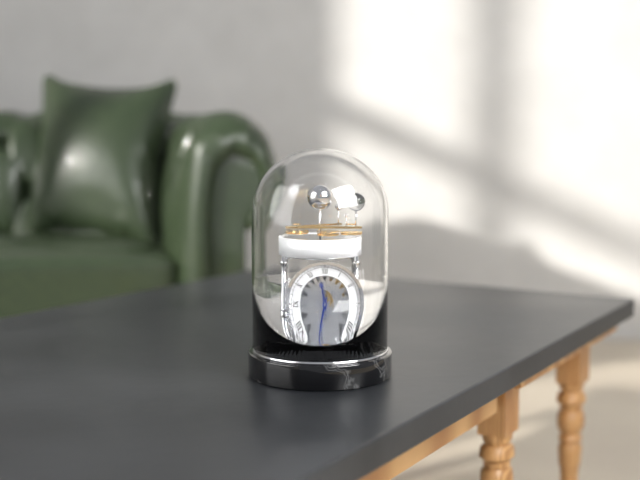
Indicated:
11.33
